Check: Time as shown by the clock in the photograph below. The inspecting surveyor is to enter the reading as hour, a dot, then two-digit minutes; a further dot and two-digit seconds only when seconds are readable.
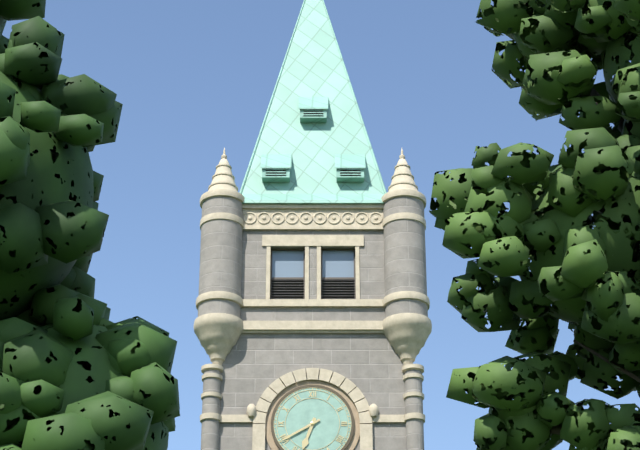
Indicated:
6.40
